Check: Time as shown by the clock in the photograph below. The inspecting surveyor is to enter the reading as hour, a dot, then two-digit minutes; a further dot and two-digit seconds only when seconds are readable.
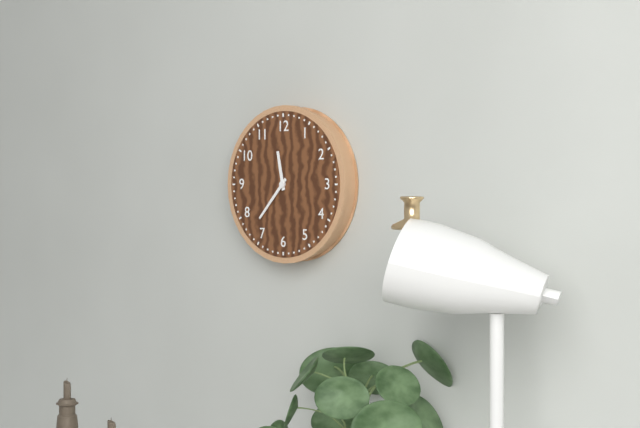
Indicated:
11.37
